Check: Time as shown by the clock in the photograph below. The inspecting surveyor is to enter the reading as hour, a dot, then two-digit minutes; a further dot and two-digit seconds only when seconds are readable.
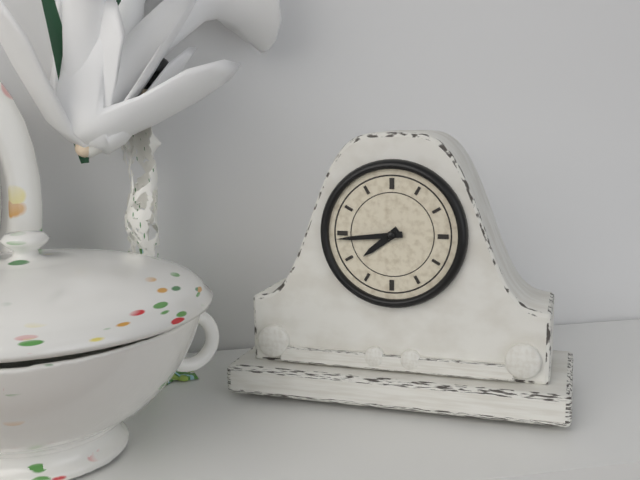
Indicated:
7.44
